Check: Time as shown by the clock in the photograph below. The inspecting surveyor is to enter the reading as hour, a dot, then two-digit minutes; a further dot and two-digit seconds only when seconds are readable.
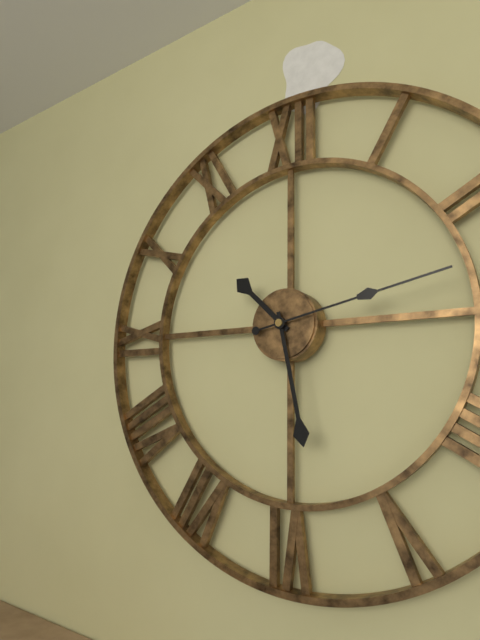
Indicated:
10.28.13
